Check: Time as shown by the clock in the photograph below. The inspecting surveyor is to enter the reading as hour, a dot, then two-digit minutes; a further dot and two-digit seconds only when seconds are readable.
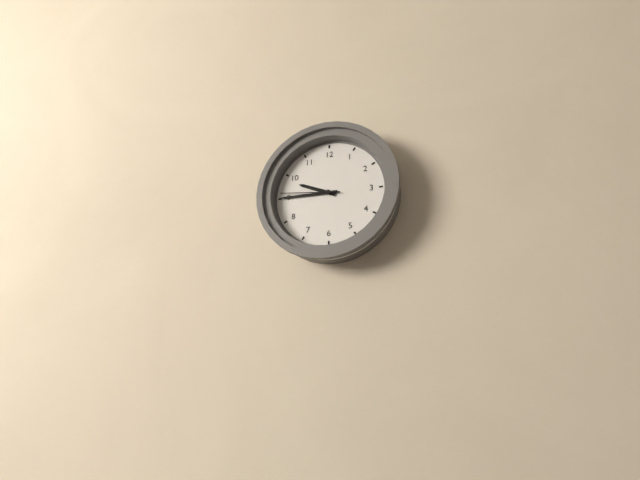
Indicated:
9.45.46
